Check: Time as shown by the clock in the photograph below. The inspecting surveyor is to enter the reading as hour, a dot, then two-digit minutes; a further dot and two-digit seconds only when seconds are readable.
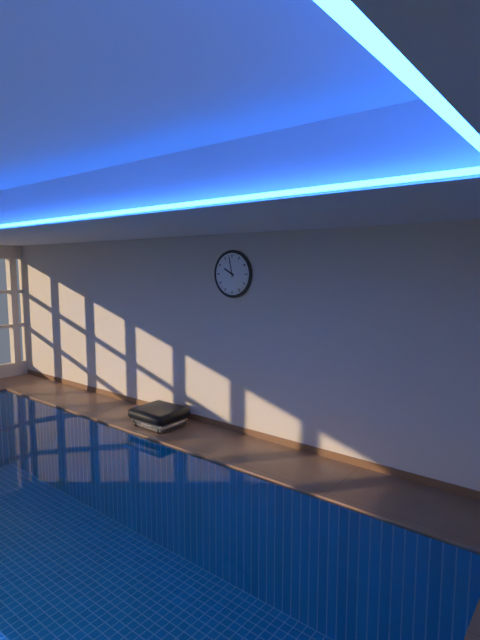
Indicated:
9.58
